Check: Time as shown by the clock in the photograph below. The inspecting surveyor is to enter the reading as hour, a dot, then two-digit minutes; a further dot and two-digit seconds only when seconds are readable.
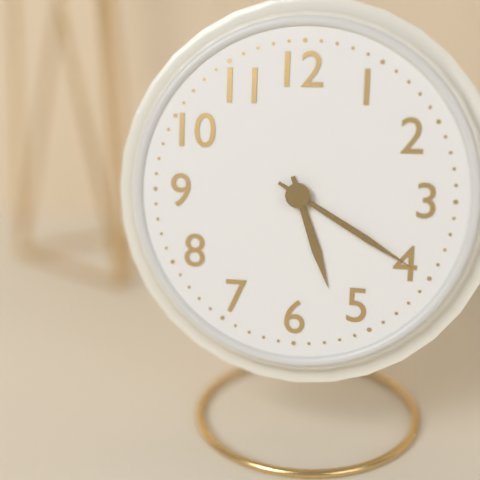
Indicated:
5.20
